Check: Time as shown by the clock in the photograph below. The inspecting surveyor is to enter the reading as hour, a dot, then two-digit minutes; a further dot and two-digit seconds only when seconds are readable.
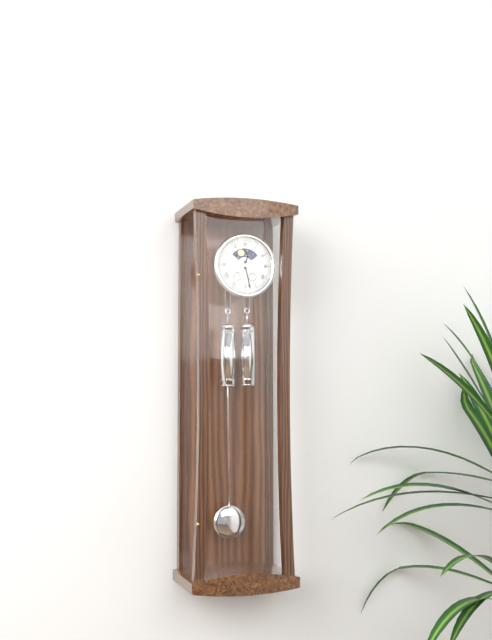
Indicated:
12.28
